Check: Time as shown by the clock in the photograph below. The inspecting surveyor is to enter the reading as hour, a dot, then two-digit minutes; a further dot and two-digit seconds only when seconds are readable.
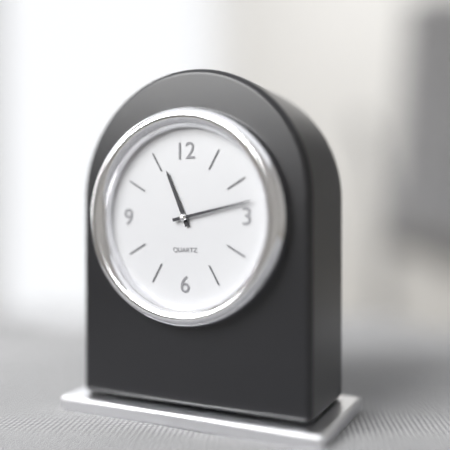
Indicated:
11.13
